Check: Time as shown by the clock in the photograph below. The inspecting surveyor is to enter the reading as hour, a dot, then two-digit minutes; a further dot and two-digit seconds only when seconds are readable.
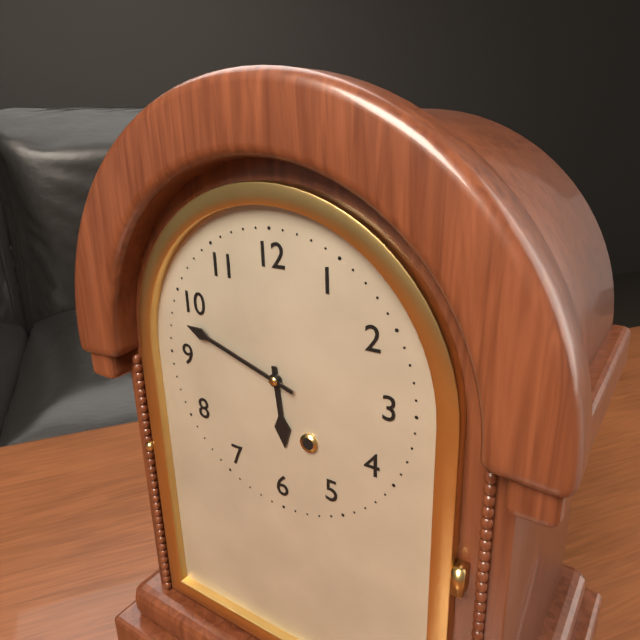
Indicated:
5.48
